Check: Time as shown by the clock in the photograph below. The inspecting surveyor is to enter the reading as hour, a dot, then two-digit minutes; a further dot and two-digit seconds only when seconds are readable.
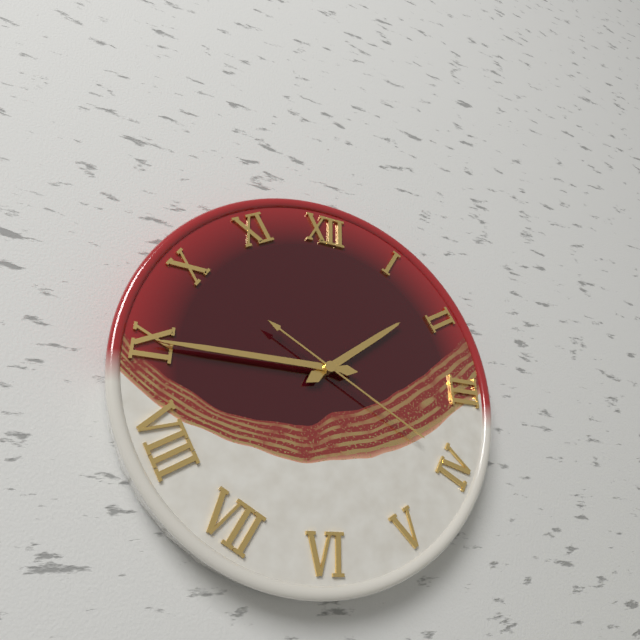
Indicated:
1.45.20
